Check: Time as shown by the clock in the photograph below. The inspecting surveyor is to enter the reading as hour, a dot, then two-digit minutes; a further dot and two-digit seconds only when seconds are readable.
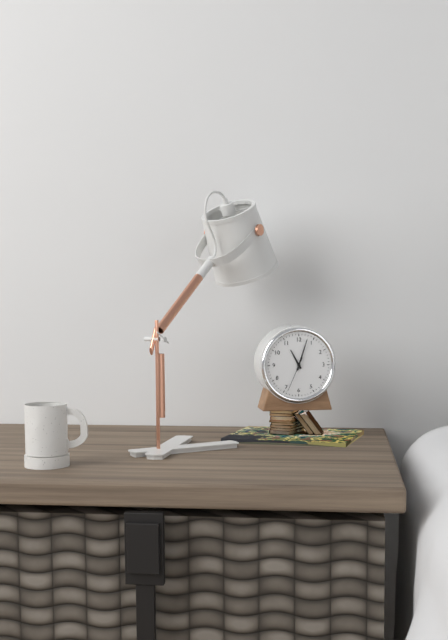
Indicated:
11.03
